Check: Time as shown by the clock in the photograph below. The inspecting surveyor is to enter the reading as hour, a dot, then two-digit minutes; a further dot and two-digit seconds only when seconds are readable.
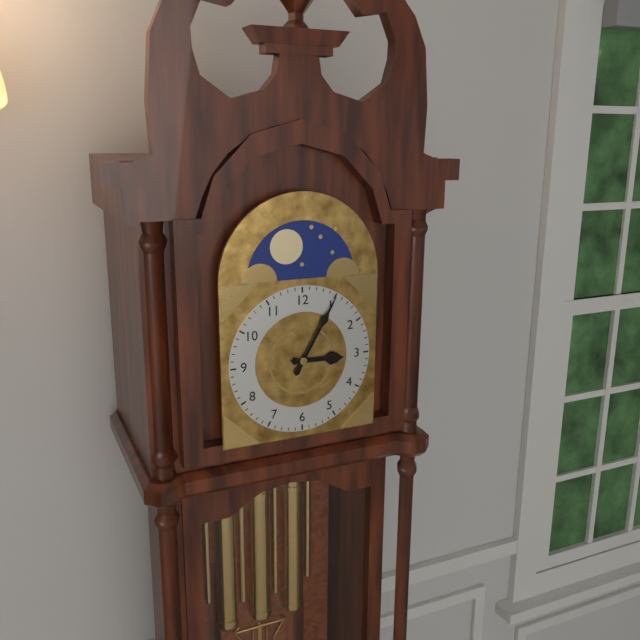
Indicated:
3.05
